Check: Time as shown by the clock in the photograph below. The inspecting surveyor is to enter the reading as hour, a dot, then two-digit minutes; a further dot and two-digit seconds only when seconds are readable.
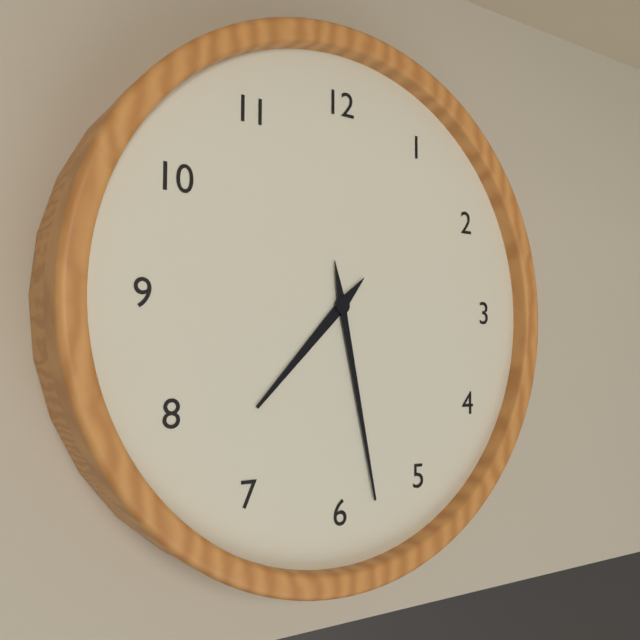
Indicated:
7.28
